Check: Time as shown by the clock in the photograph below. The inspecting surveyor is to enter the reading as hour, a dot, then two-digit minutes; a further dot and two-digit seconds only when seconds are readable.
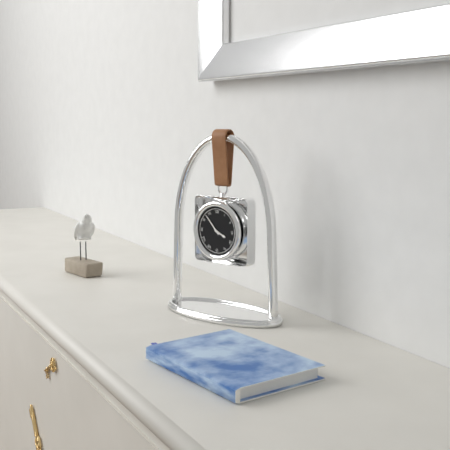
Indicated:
3.53
